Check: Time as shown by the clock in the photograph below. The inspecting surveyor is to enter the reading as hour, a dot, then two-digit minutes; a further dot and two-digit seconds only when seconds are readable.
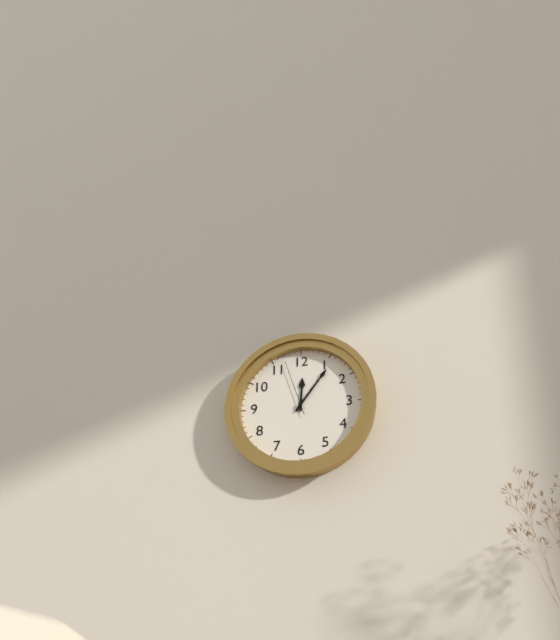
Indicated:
12.06.57
